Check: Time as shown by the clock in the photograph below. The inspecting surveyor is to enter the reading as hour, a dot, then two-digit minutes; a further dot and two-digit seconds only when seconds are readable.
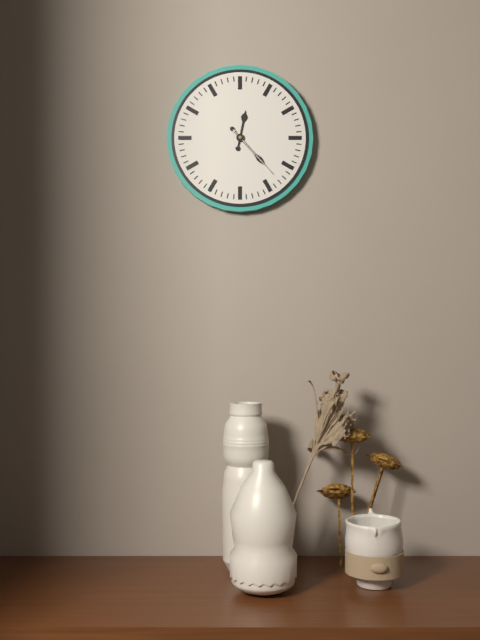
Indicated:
12.23.23
